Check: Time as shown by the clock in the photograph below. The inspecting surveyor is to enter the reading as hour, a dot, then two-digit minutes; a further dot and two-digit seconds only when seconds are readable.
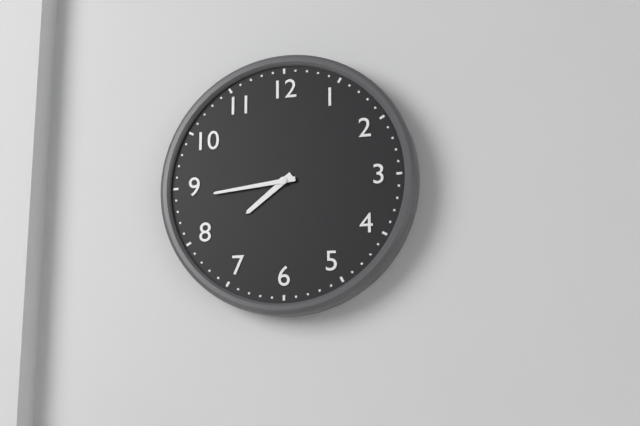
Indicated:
7.44
